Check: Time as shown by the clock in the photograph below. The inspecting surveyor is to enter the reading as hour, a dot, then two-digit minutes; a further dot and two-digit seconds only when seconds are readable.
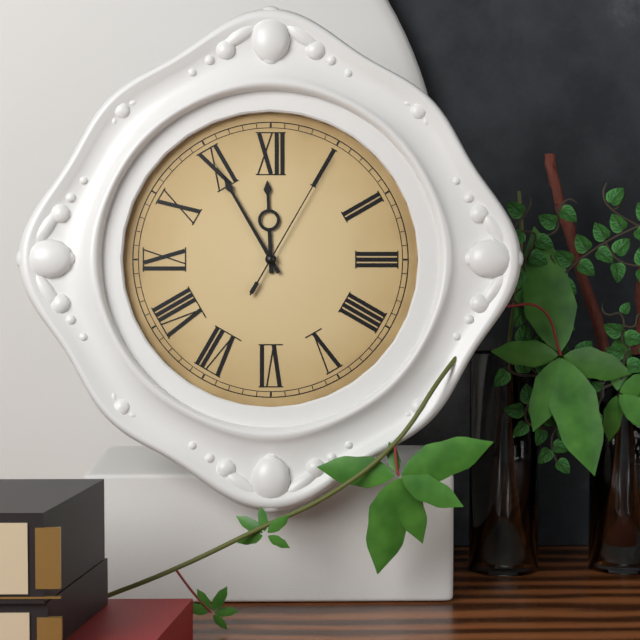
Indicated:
11.55.05
